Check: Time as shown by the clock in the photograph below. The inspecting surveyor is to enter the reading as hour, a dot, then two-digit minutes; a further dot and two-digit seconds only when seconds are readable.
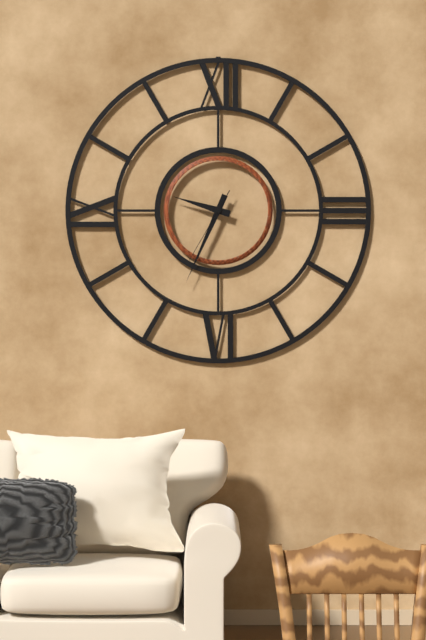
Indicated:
9.34.35
